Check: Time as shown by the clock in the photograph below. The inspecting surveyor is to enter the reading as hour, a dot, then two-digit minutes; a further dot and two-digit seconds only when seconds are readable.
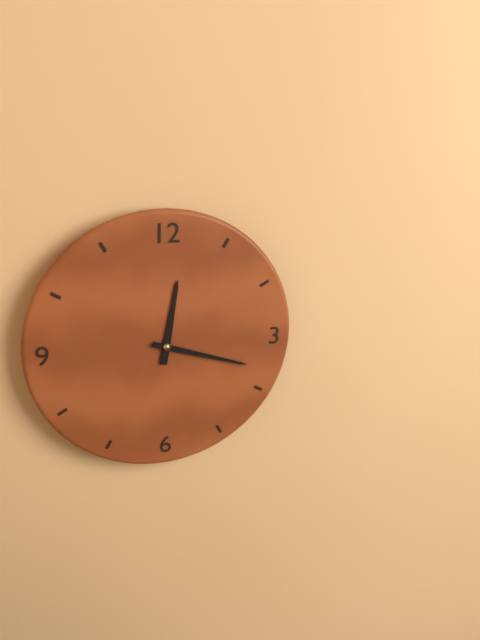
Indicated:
12.18
